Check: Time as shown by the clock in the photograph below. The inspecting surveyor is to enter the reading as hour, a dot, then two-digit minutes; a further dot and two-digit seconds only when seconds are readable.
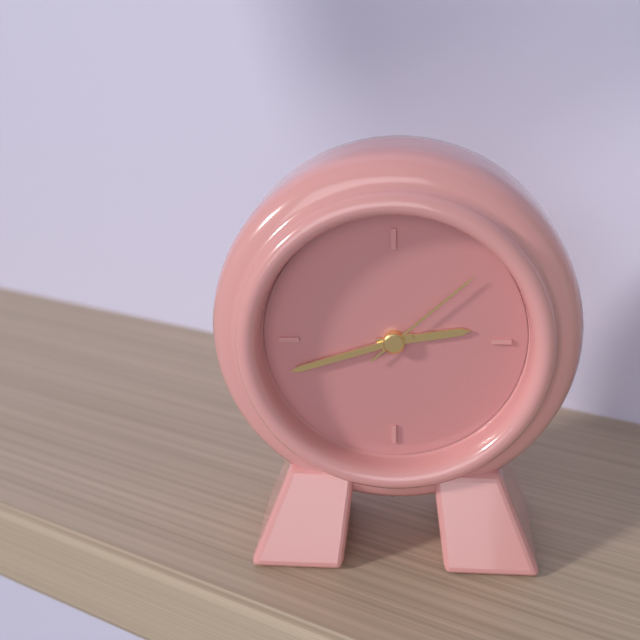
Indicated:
2.42.08
